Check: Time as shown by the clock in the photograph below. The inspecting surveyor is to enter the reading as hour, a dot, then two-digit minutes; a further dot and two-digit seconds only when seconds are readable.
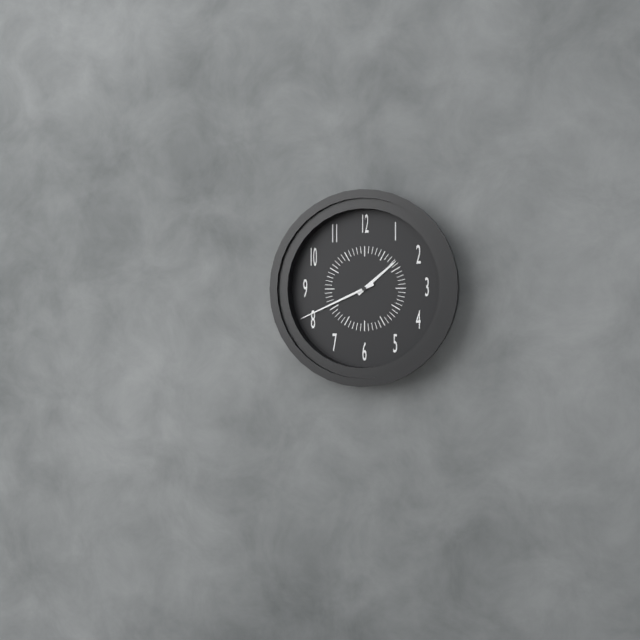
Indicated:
1.41
